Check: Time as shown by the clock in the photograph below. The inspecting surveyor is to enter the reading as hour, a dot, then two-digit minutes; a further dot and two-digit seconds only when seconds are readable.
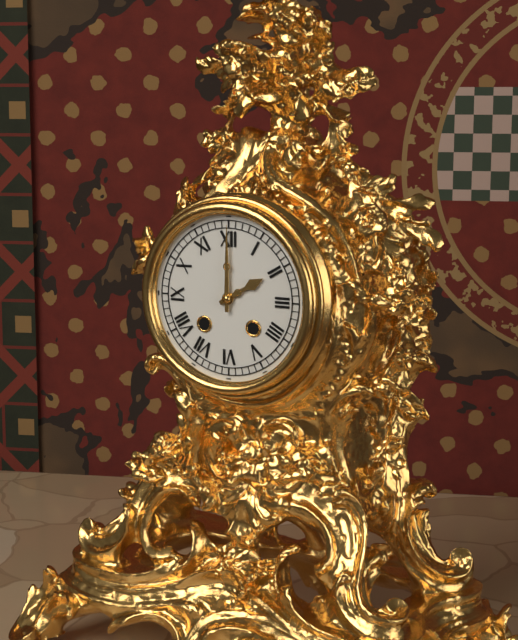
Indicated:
2.00
